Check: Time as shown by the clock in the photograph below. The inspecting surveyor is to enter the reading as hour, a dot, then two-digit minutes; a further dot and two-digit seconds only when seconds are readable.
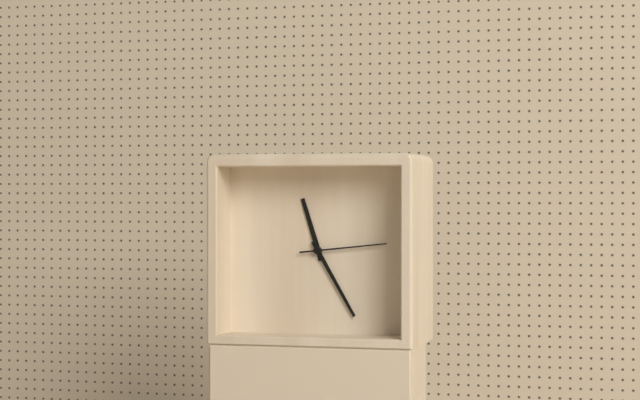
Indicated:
11.25.14
